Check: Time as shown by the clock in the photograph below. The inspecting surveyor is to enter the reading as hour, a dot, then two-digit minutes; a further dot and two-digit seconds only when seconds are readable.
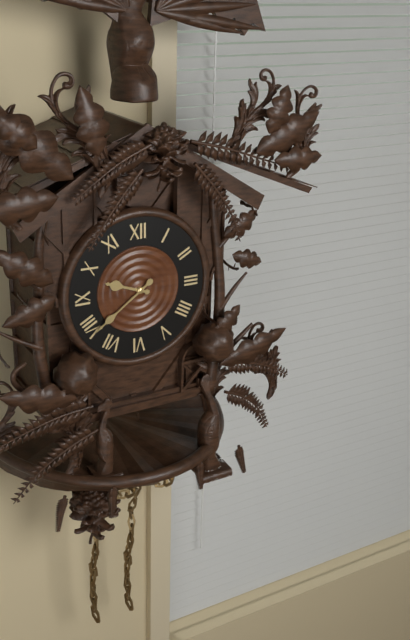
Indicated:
9.39
